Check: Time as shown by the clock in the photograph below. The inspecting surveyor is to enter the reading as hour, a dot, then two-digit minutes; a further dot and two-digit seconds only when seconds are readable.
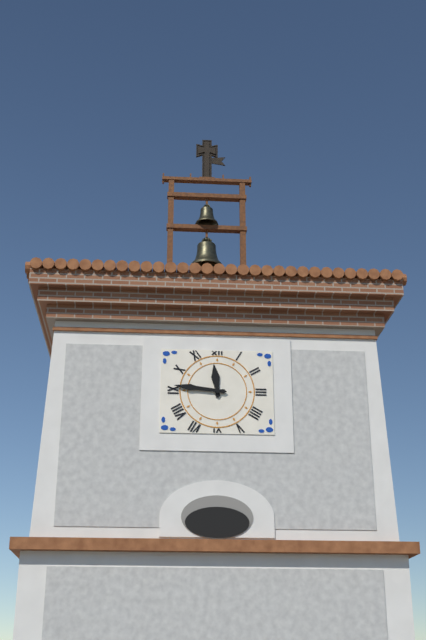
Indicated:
11.46
